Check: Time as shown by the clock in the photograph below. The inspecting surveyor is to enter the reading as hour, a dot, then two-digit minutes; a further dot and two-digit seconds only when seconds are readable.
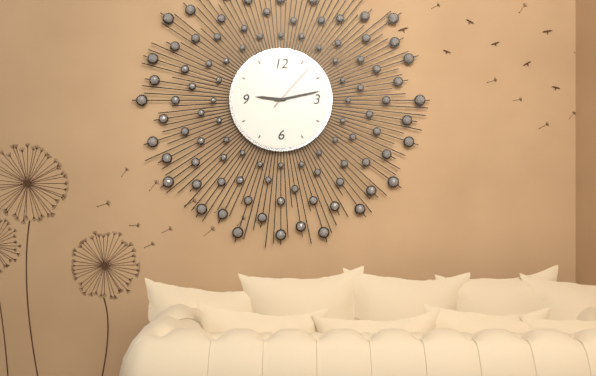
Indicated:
9.13.07
